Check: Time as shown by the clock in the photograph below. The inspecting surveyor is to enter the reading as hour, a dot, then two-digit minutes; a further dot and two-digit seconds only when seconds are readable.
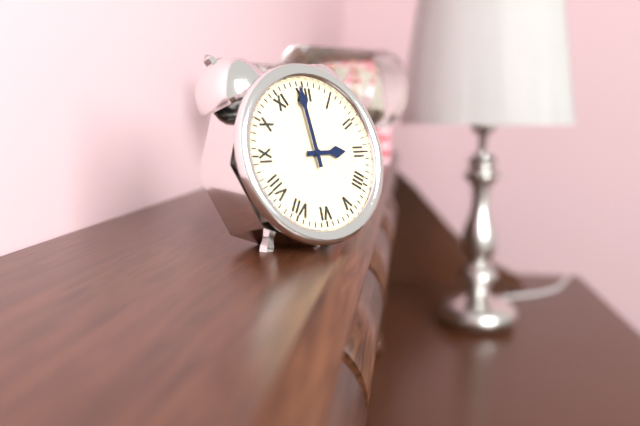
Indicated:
2.59
